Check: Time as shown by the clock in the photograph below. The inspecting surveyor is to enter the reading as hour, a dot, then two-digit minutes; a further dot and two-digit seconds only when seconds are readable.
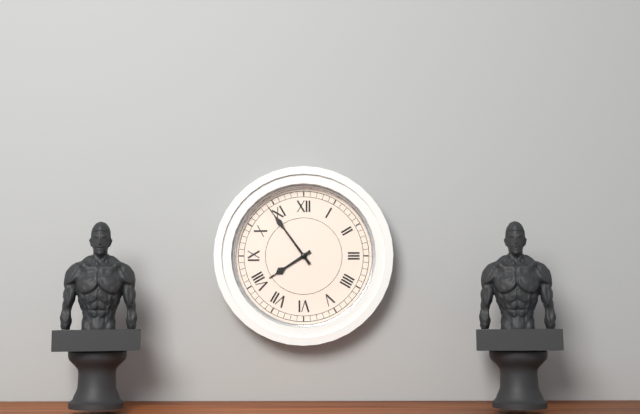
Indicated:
7.54
